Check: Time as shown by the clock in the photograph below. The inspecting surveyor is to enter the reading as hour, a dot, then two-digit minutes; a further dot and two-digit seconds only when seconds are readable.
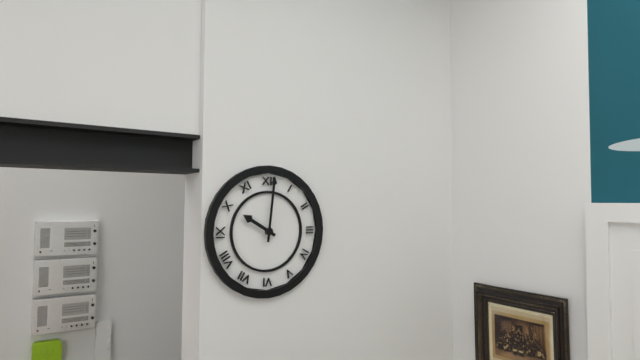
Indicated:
10.01
